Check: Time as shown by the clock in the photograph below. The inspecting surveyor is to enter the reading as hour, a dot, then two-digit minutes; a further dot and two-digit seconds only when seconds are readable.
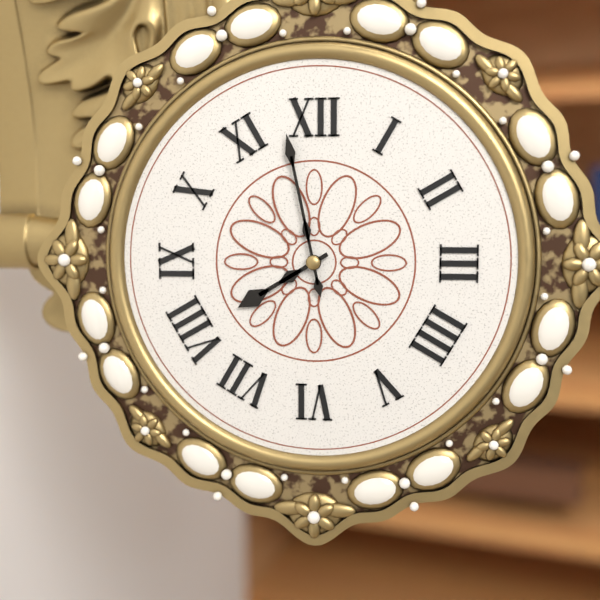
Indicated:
7.58
